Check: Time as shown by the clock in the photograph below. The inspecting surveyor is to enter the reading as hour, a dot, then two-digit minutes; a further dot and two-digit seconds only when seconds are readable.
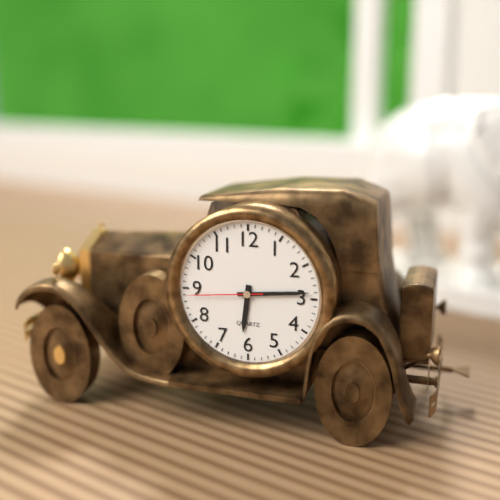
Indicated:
6.14.44
